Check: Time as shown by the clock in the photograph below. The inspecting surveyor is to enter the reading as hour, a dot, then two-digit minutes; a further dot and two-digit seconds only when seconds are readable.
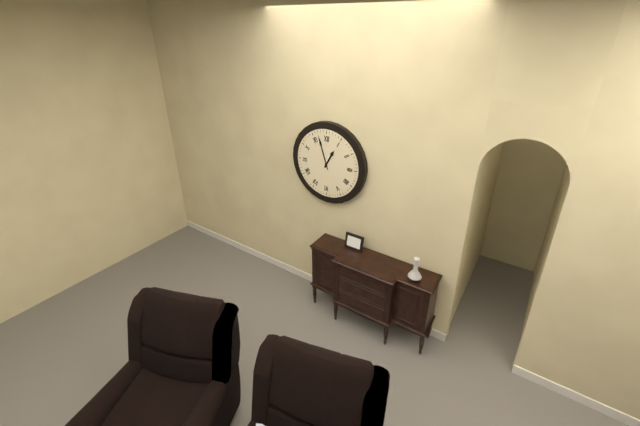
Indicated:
12.57
